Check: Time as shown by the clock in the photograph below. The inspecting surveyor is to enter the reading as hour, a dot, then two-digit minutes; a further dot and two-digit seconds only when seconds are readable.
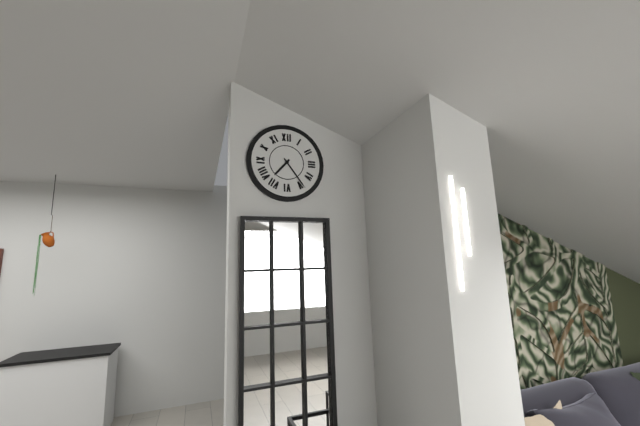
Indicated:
7.24
